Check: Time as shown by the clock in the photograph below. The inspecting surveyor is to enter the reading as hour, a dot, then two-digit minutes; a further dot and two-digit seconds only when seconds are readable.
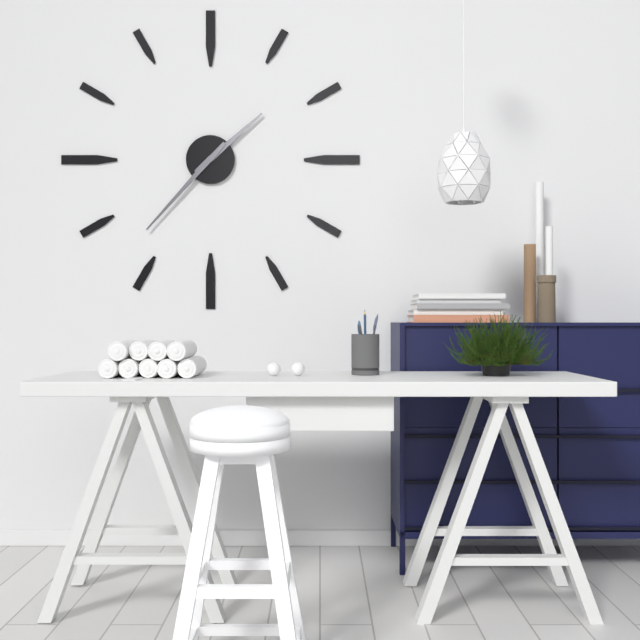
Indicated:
1.37
